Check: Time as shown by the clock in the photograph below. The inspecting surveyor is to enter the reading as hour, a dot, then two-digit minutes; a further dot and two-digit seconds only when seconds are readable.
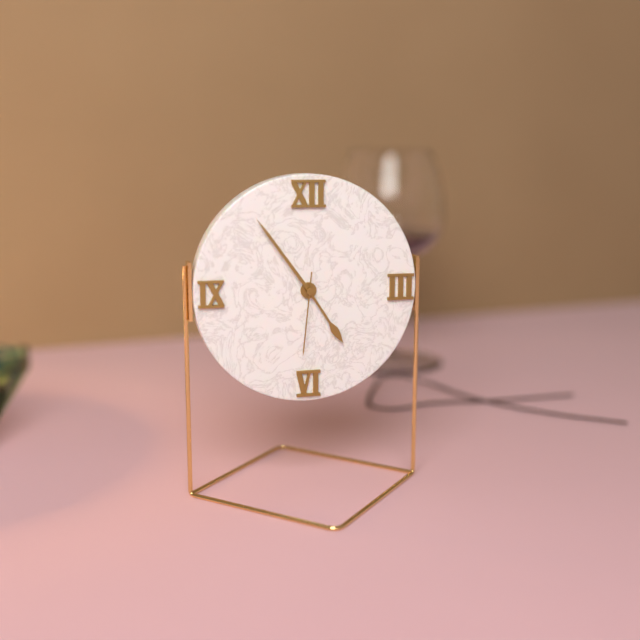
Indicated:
4.54.31
